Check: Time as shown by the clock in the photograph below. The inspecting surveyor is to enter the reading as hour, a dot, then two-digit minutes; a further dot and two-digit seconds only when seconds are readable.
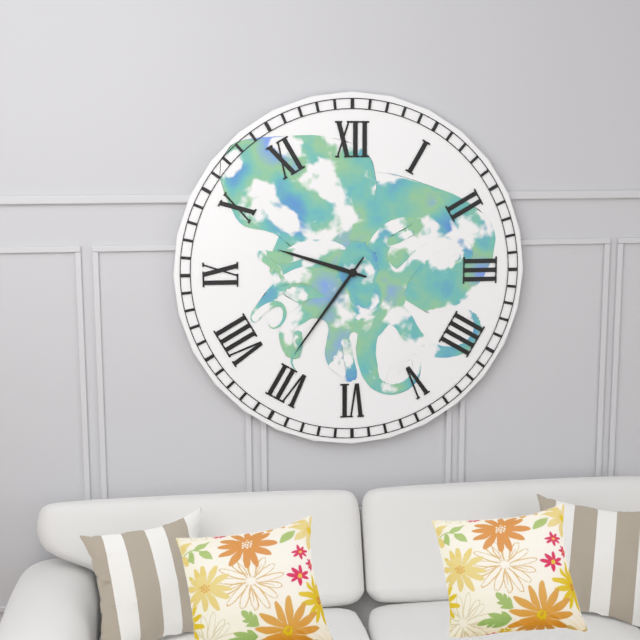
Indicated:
9.36
